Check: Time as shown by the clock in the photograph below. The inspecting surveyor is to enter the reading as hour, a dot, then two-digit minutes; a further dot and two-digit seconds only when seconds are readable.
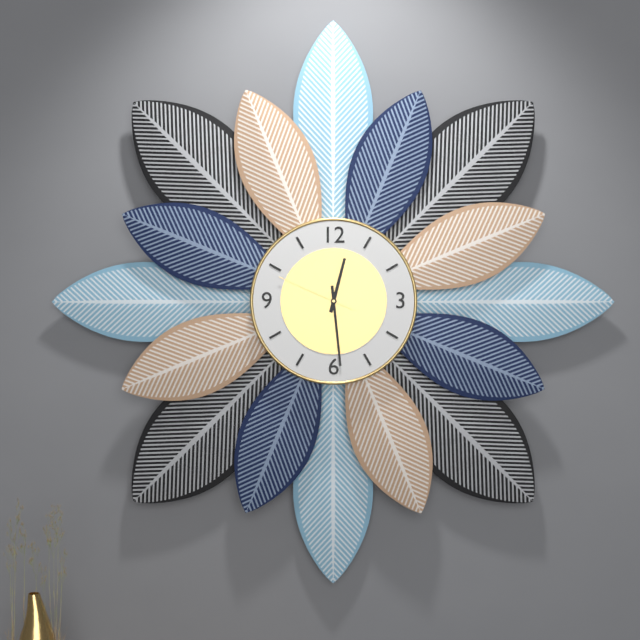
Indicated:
12.29.49
